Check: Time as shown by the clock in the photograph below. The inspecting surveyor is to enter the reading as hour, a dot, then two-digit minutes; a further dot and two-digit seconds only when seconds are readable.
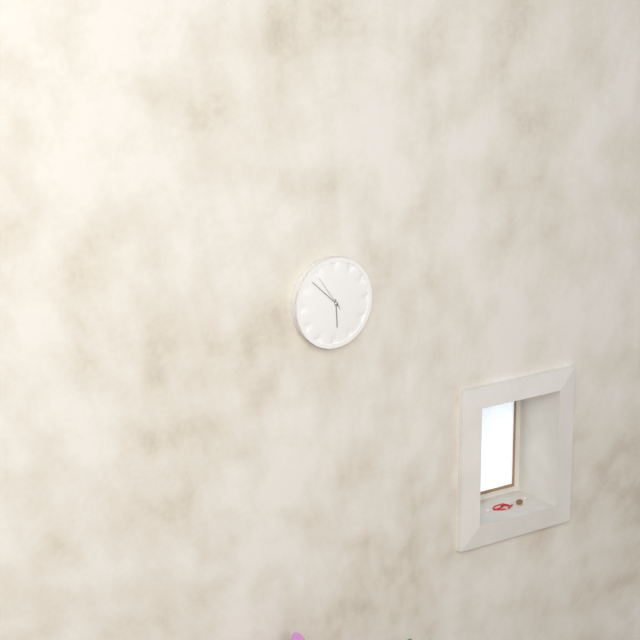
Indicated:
5.52
